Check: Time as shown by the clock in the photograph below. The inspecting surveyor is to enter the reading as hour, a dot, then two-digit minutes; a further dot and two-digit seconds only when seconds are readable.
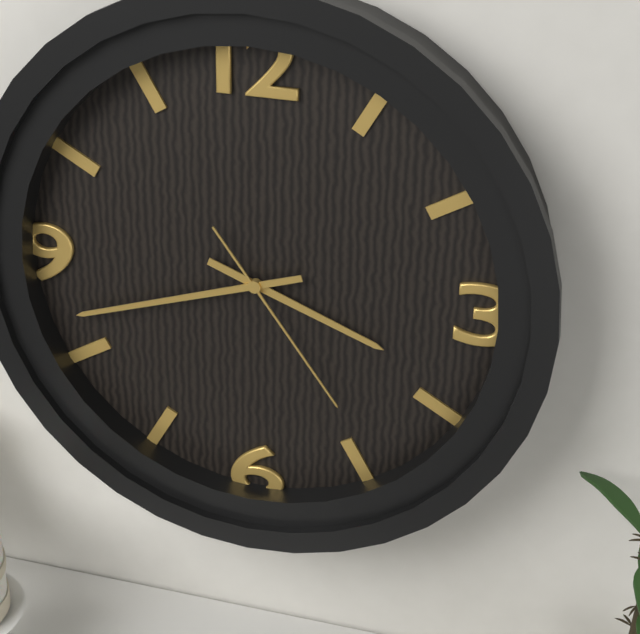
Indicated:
3.42.24
